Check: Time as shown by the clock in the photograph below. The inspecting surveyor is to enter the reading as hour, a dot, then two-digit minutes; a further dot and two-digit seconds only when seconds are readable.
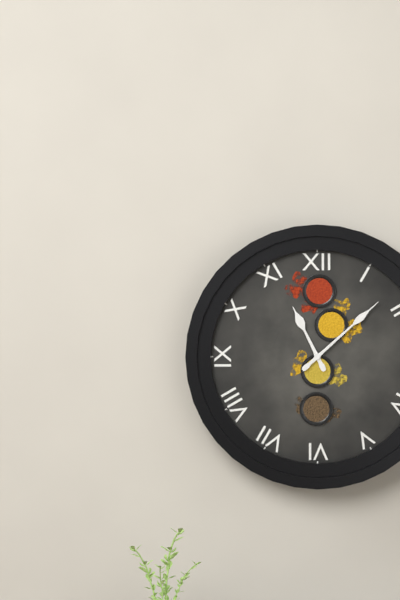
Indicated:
11.08
